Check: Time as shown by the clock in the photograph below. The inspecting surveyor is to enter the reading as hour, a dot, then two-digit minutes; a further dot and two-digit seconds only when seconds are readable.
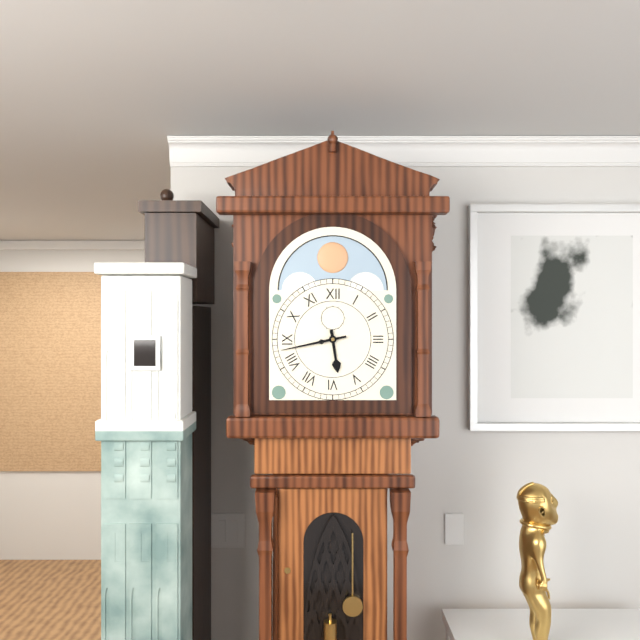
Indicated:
5.43
